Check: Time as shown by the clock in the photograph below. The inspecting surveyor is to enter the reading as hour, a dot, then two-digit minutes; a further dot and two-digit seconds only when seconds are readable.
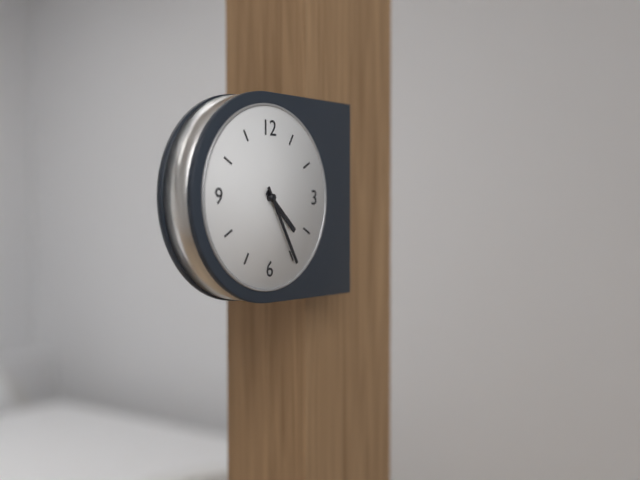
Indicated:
4.25
